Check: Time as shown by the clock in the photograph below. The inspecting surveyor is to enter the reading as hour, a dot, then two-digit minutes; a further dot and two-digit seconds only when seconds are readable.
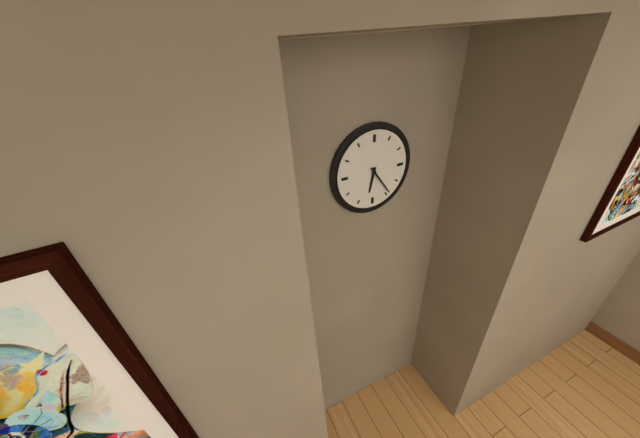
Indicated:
6.24
